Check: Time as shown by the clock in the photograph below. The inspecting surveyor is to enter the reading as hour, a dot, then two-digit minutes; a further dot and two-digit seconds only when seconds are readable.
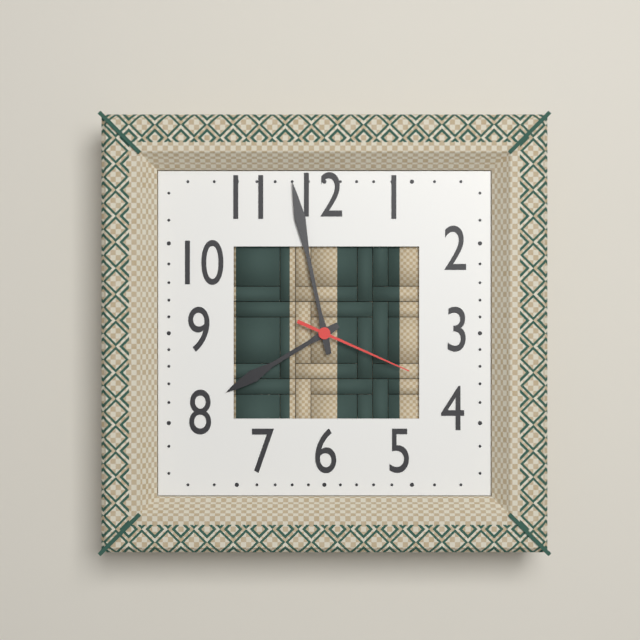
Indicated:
7.58.19
